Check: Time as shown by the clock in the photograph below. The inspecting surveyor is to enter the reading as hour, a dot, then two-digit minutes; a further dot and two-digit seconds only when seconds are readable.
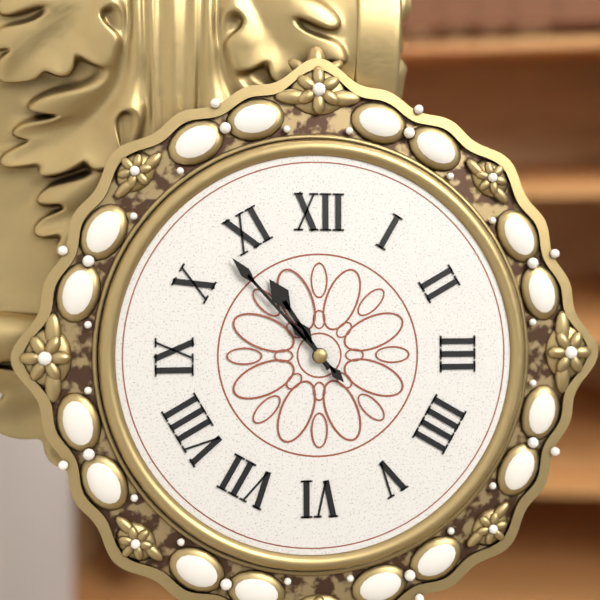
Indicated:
10.53
